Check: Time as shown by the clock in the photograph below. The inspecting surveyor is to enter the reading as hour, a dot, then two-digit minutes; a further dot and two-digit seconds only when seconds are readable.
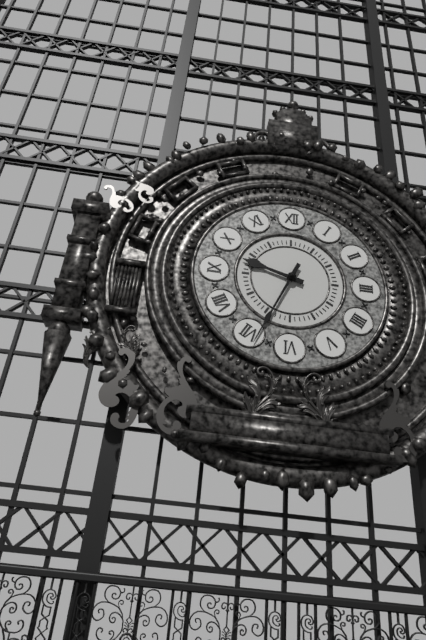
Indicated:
9.34
